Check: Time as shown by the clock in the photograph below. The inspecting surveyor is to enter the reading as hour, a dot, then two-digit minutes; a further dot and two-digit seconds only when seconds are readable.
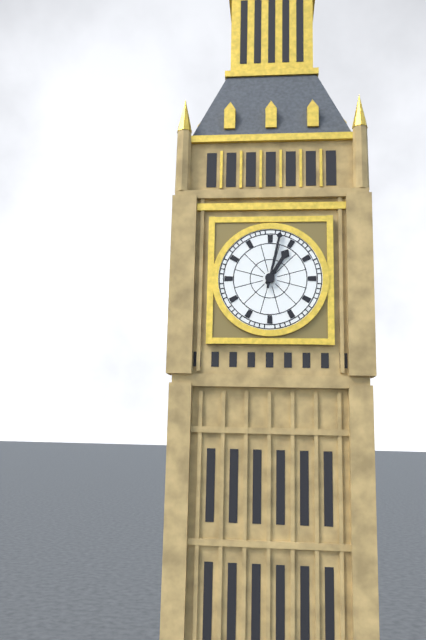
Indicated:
1.02
